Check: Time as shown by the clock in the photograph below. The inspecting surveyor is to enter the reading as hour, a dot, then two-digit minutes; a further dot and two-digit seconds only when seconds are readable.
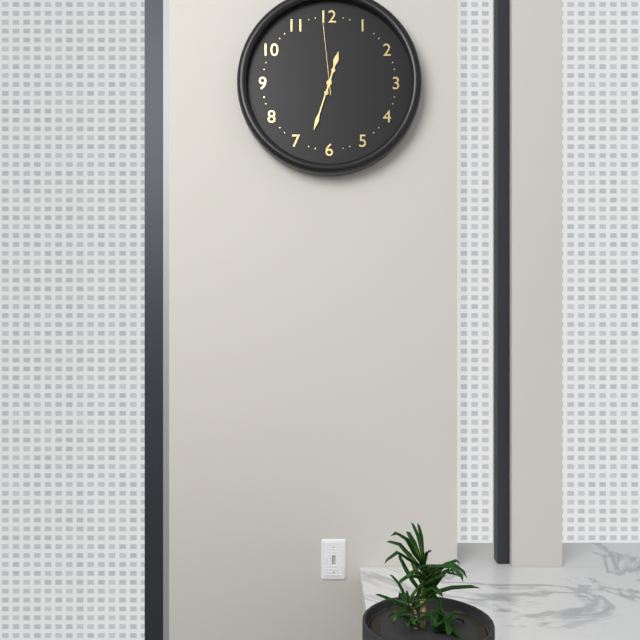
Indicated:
12.33.59
